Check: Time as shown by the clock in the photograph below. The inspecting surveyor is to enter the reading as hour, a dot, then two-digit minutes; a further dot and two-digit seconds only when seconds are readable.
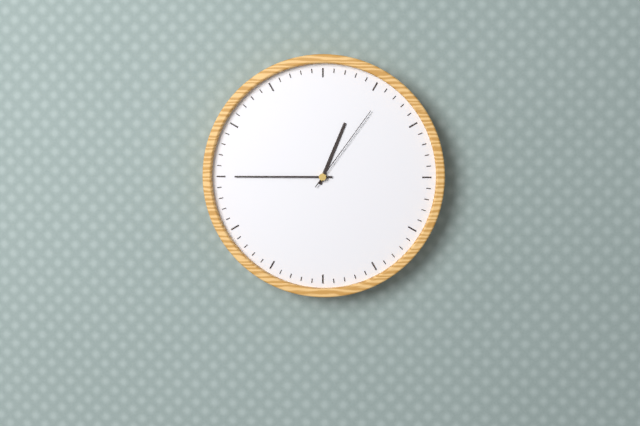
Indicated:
12.45.06
